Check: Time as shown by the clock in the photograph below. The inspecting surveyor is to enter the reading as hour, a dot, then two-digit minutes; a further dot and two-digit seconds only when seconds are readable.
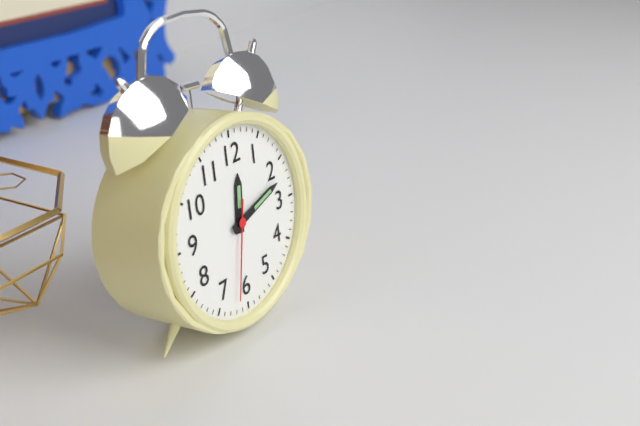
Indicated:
12.12.32
